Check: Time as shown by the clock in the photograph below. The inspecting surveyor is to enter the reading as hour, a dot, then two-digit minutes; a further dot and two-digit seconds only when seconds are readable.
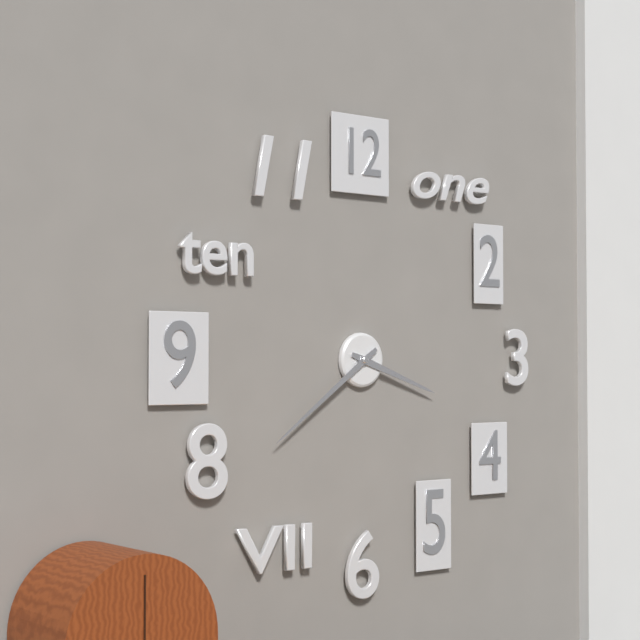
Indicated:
3.39
